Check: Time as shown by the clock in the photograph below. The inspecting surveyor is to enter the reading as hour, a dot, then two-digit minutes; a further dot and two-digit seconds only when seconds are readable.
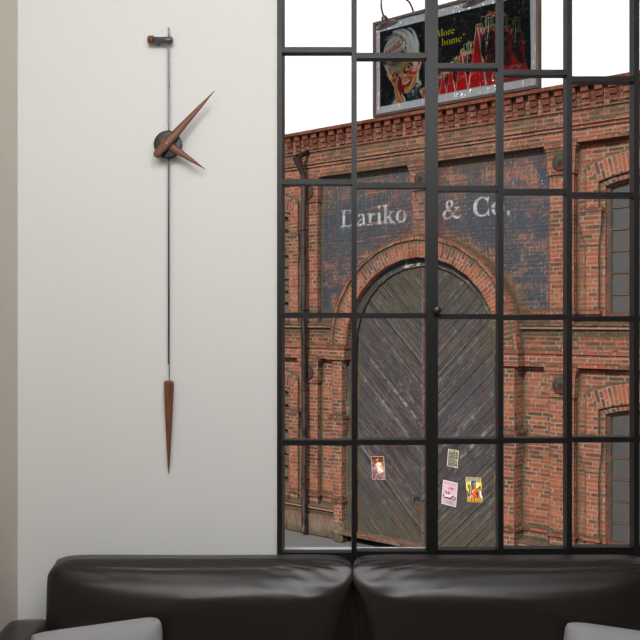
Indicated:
4.07
